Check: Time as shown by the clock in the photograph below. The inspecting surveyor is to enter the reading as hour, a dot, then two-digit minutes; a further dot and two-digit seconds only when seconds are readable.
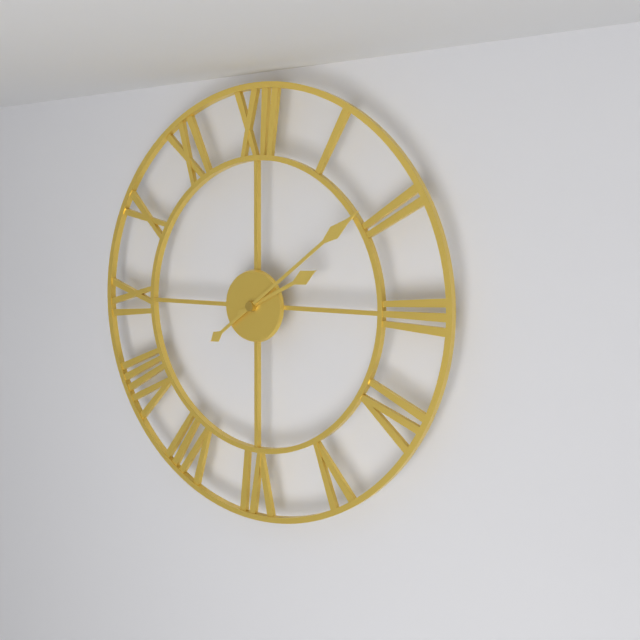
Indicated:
2.09
